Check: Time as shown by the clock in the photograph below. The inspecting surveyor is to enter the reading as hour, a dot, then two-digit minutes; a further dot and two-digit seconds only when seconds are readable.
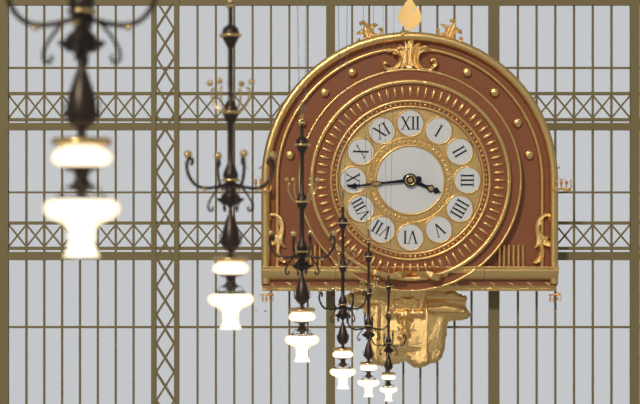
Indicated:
3.44
